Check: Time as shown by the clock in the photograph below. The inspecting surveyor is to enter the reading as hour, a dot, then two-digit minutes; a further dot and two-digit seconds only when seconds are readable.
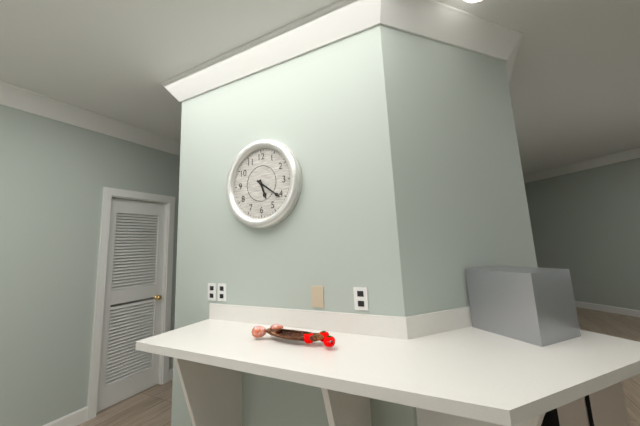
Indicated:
5.21
